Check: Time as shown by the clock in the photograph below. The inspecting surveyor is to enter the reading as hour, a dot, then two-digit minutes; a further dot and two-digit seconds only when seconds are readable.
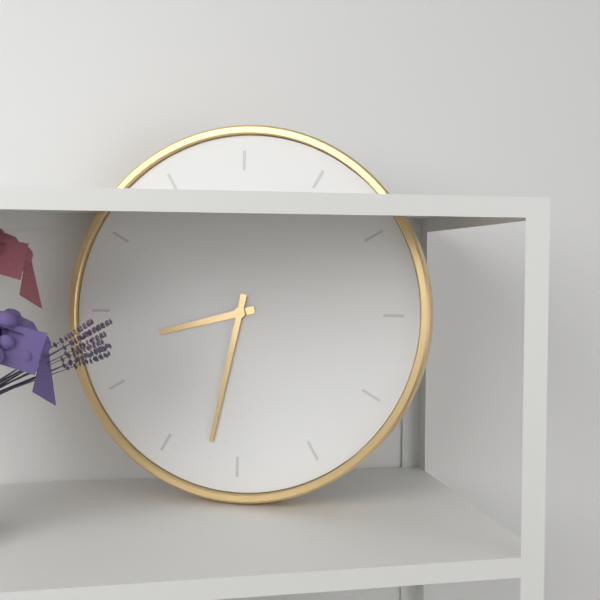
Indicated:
8.32
